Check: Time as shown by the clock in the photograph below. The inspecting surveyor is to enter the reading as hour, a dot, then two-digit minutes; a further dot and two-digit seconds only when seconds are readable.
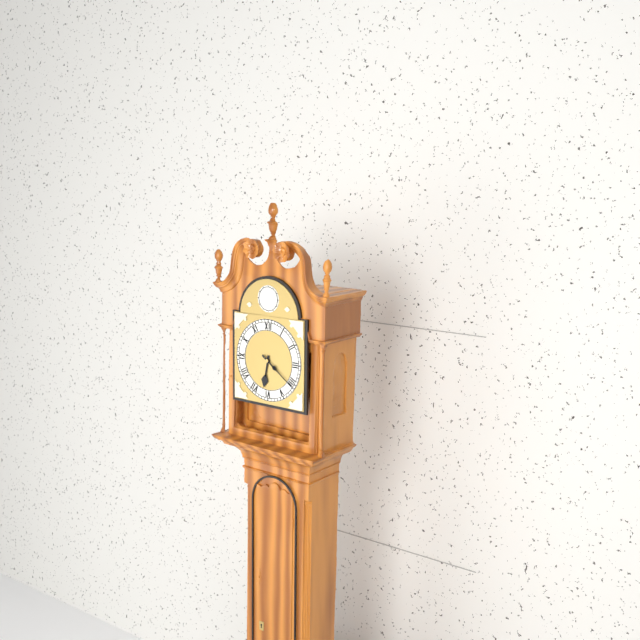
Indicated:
6.21
